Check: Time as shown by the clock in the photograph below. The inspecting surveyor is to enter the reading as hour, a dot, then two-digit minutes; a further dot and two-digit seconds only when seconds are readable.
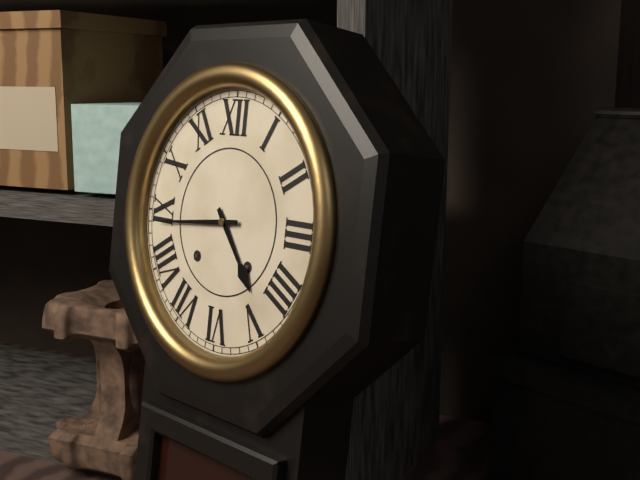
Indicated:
4.44
